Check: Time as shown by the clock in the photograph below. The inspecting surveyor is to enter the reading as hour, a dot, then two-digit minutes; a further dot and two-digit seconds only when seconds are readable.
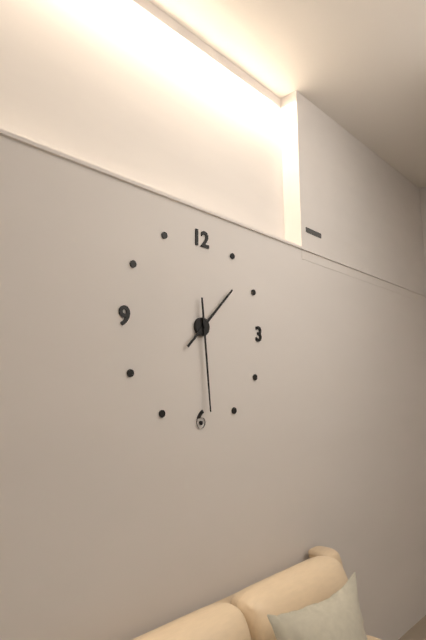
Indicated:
1.29
